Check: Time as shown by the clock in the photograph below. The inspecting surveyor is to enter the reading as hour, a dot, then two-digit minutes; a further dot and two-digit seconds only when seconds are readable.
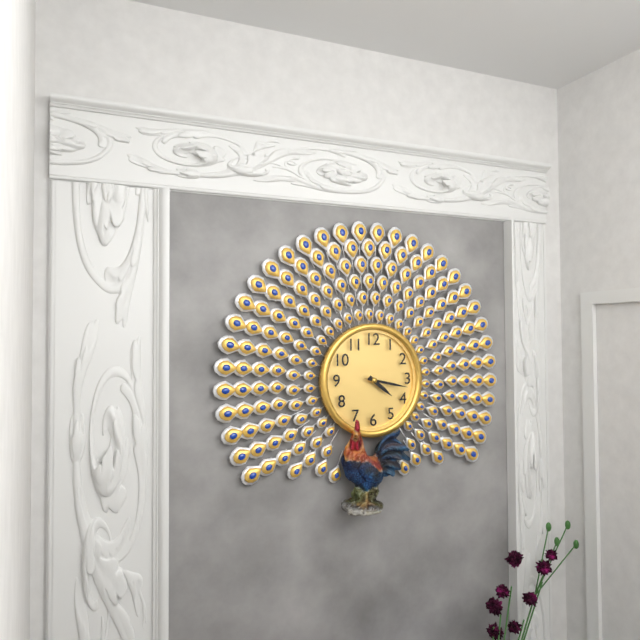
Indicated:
4.17
